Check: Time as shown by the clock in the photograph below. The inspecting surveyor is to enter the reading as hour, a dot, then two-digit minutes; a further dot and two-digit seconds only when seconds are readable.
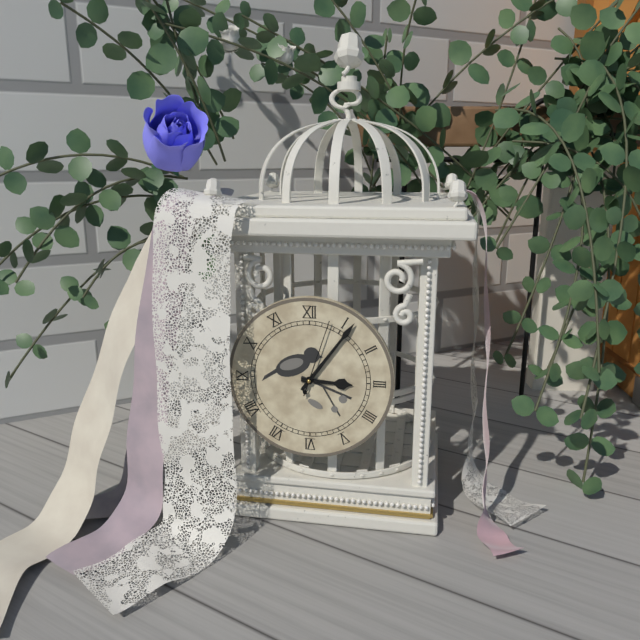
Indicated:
3.06.03
